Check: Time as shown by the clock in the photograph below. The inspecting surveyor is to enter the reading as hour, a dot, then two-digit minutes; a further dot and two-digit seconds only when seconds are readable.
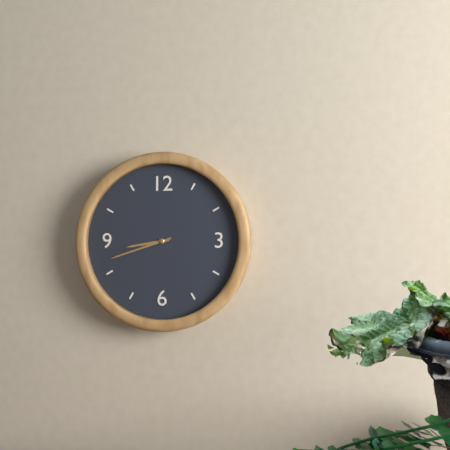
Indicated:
8.42
